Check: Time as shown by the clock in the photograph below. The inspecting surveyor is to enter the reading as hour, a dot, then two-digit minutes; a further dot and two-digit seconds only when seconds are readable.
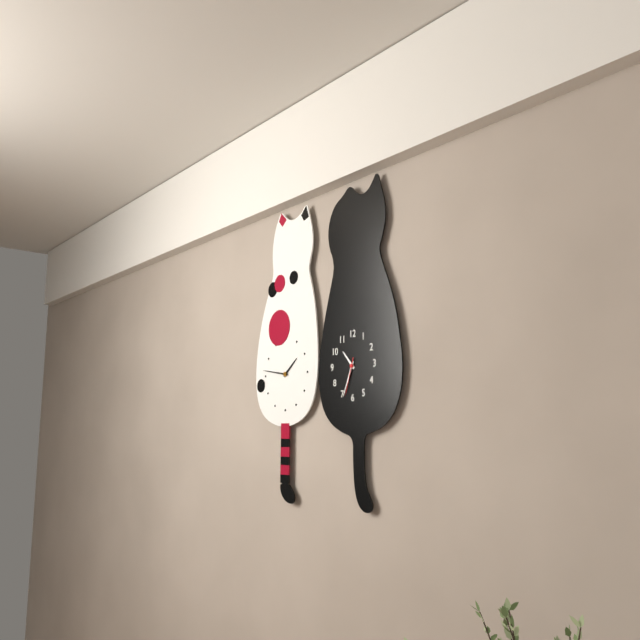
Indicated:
10.34
